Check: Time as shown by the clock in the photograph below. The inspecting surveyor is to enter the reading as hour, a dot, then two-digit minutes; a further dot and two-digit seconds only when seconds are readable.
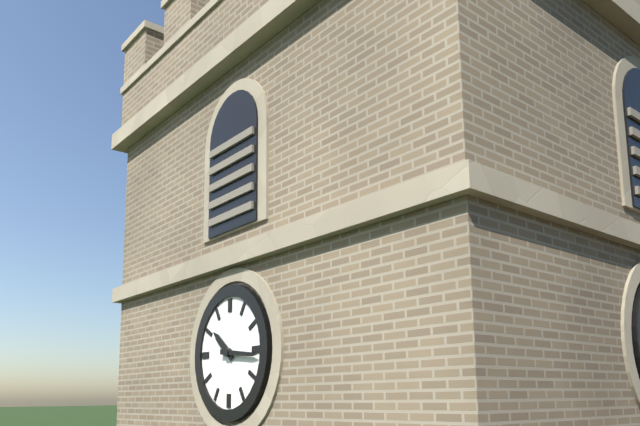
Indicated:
10.16
